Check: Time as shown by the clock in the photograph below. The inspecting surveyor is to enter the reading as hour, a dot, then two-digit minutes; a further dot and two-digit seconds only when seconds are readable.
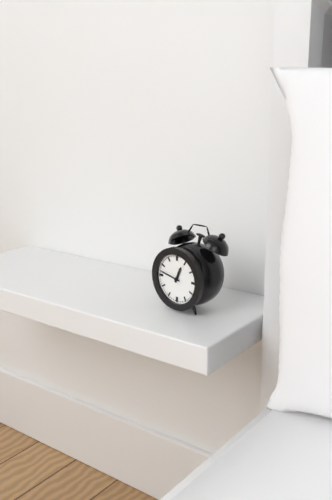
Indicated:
12.47
